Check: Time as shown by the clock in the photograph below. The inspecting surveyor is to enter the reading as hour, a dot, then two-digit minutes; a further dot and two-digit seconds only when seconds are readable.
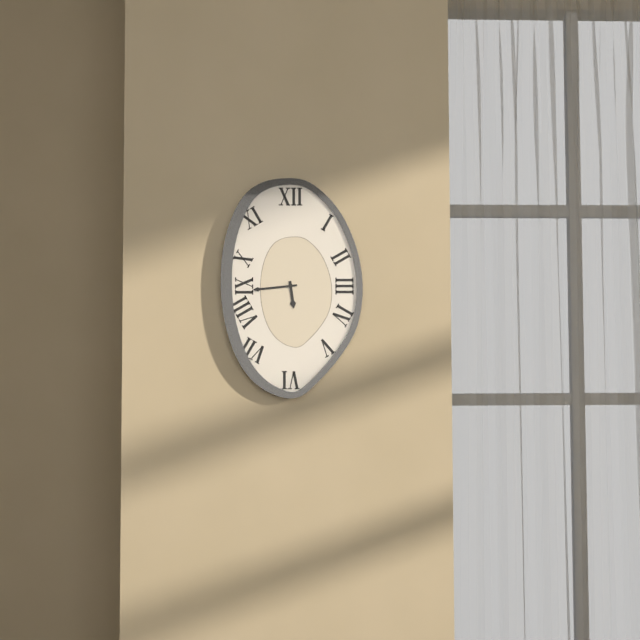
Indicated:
5.44
